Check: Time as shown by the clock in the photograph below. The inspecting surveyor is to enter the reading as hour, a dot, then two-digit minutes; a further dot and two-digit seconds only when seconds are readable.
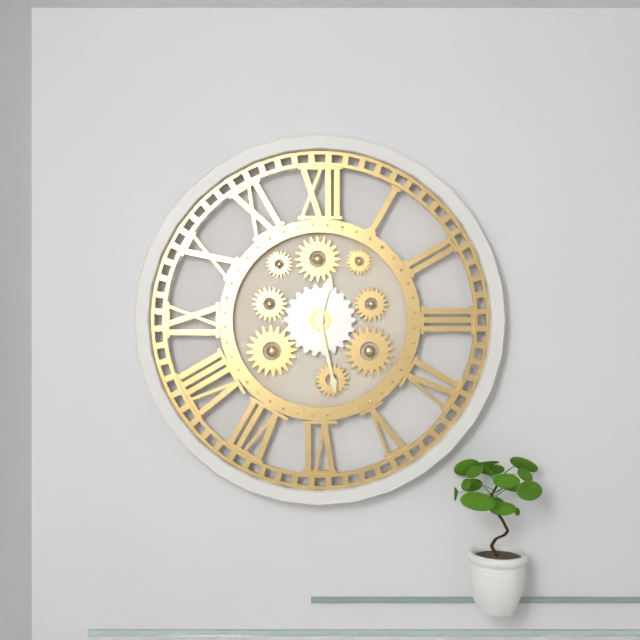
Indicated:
12.28
